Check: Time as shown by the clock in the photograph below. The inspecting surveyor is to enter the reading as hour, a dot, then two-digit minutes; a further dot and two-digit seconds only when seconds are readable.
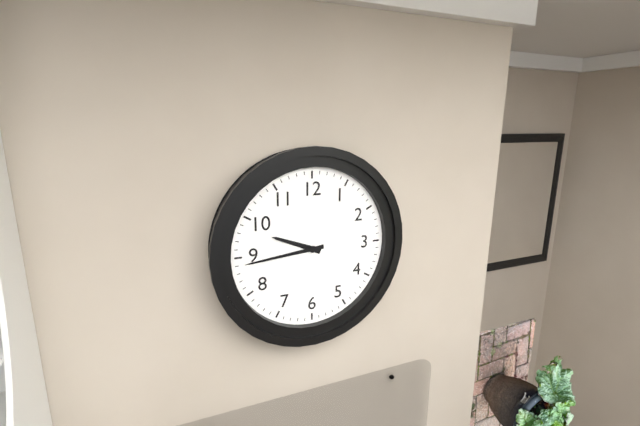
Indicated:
9.44
